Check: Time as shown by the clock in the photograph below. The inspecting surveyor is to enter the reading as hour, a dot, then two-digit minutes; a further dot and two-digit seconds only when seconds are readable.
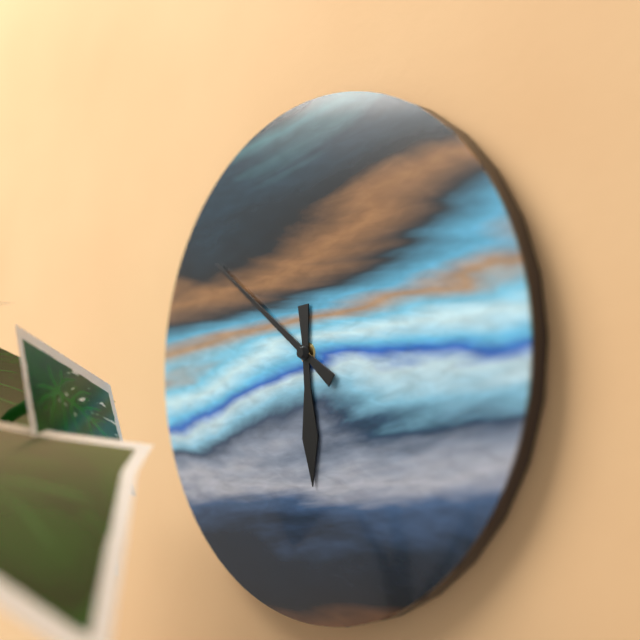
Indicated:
5.51
